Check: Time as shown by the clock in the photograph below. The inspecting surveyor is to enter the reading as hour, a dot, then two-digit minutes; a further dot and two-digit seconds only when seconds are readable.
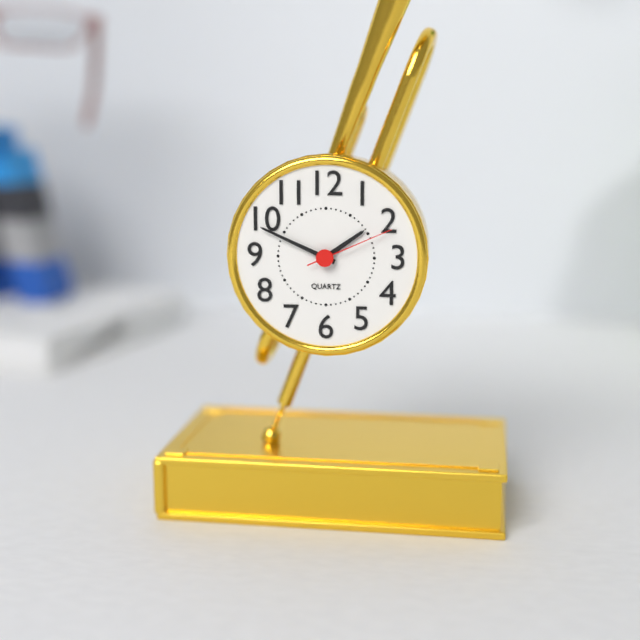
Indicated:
1.49.11
